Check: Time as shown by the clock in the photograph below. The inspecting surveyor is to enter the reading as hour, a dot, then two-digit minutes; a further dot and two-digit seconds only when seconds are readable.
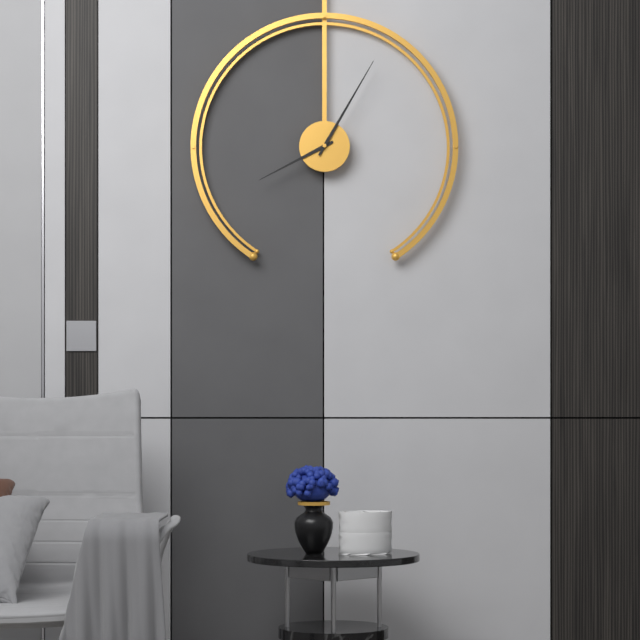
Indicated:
8.05
